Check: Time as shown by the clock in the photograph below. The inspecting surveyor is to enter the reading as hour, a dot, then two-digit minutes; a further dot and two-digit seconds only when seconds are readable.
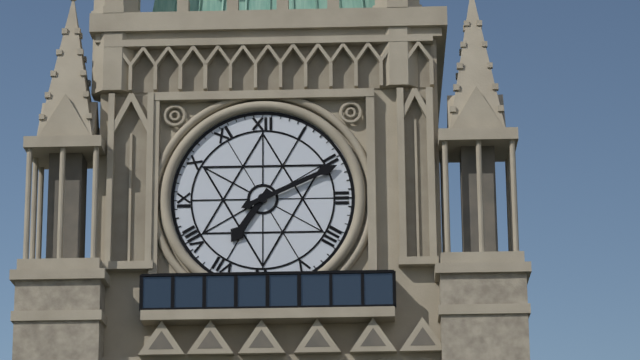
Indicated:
7.11
